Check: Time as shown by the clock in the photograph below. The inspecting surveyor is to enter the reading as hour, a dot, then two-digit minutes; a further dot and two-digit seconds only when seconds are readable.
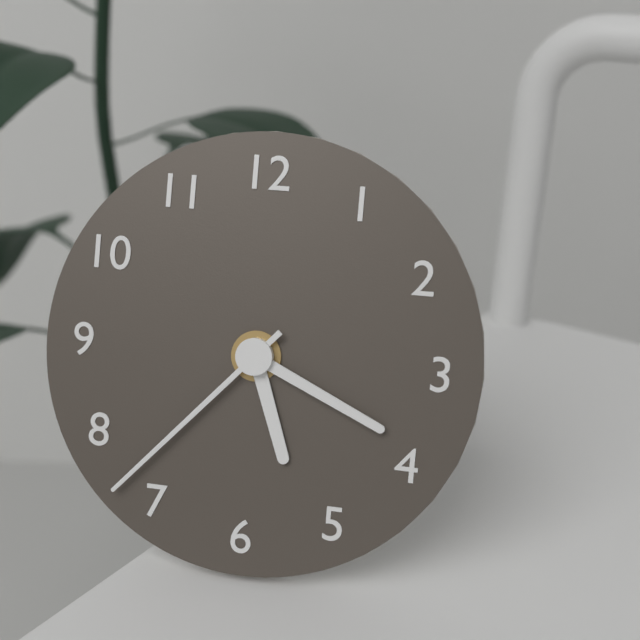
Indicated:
5.19.37
